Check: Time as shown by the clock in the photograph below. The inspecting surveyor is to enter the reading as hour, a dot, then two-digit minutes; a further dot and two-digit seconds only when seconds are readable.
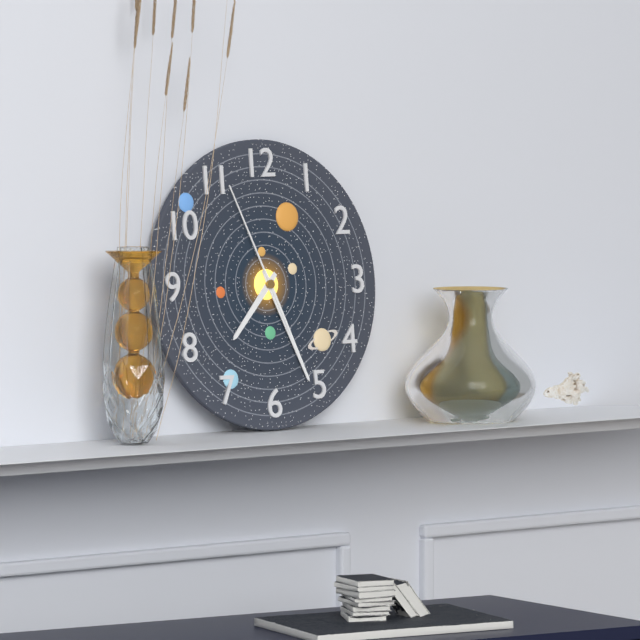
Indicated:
7.26.56
